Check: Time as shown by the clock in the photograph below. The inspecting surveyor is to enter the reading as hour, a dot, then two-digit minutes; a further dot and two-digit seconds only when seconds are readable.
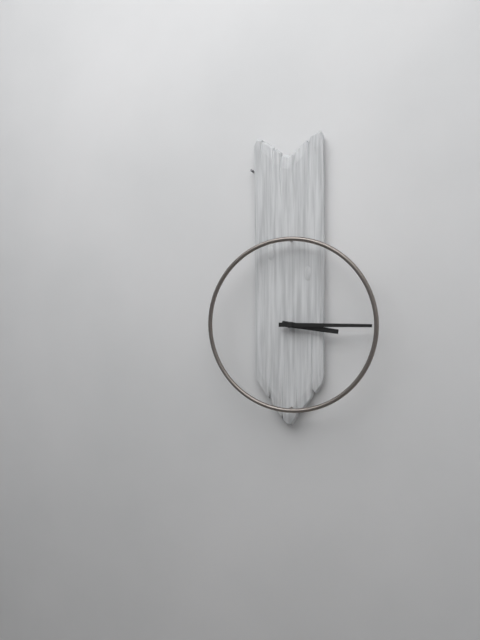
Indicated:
3.15
